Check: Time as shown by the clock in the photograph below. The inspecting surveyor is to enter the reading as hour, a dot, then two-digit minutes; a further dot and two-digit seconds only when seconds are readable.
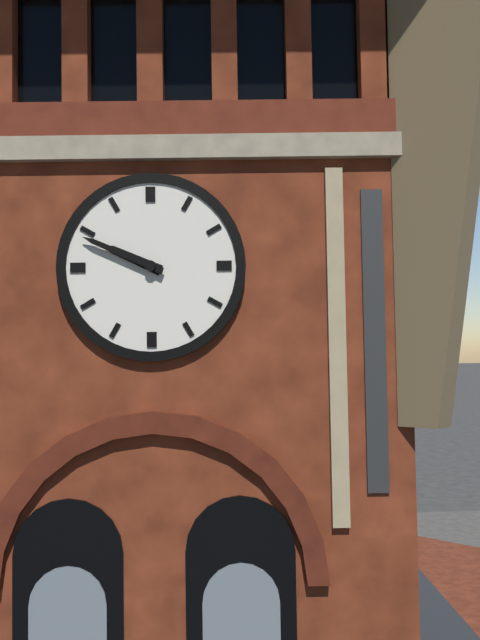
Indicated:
9.49
